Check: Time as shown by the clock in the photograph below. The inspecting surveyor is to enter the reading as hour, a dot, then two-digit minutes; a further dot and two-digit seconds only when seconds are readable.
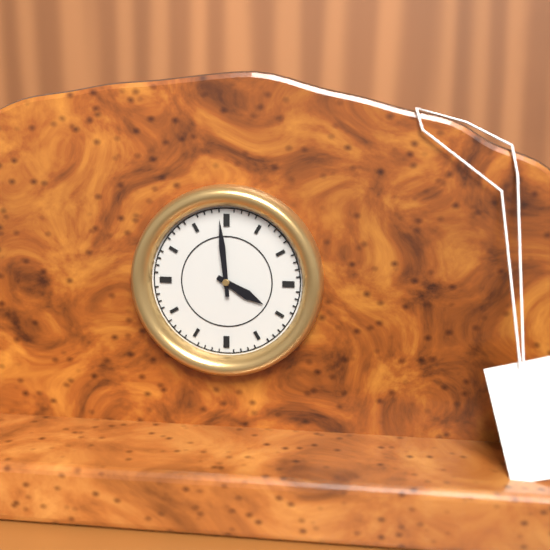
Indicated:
3.59
